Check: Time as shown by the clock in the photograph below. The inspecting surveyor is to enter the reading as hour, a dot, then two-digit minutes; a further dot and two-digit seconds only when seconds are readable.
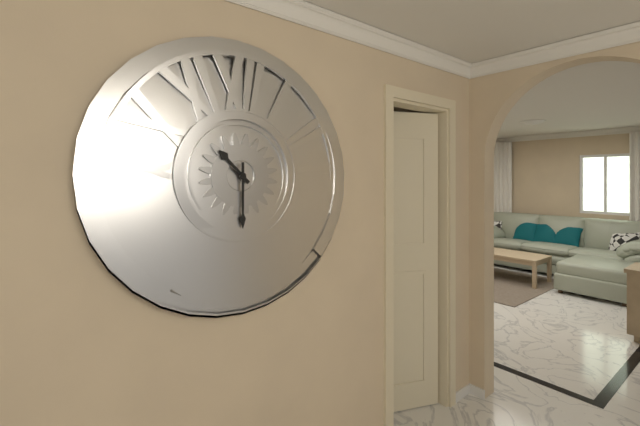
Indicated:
10.30
